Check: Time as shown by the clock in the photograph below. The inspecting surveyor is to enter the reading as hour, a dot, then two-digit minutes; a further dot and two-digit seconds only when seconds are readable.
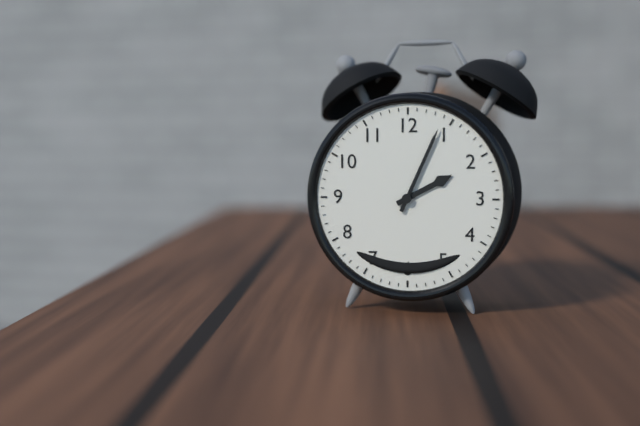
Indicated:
2.04
